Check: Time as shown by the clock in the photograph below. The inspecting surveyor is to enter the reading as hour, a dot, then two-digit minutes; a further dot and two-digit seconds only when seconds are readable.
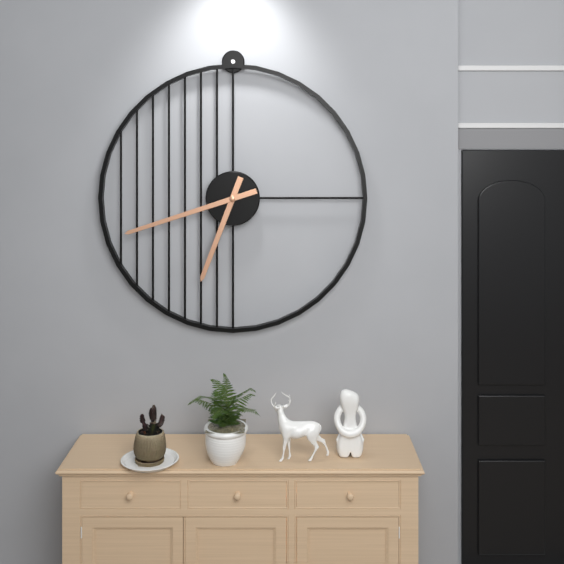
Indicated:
6.42
